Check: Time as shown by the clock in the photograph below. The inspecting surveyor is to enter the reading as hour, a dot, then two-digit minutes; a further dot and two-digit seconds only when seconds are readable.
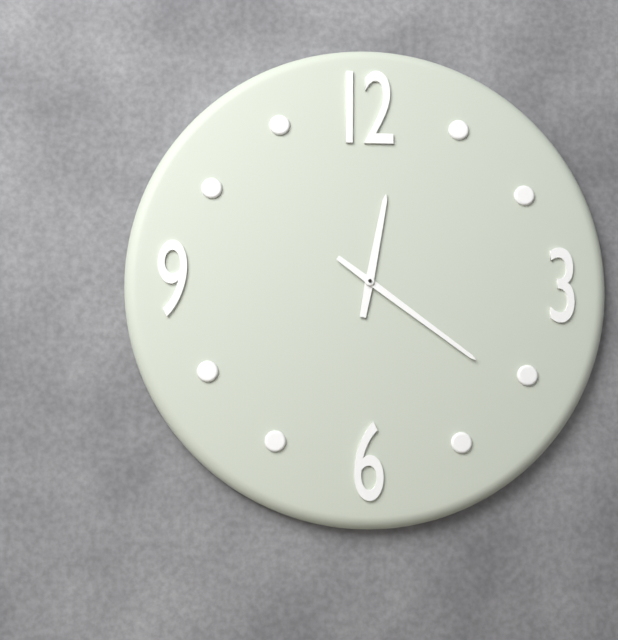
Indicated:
12.21
